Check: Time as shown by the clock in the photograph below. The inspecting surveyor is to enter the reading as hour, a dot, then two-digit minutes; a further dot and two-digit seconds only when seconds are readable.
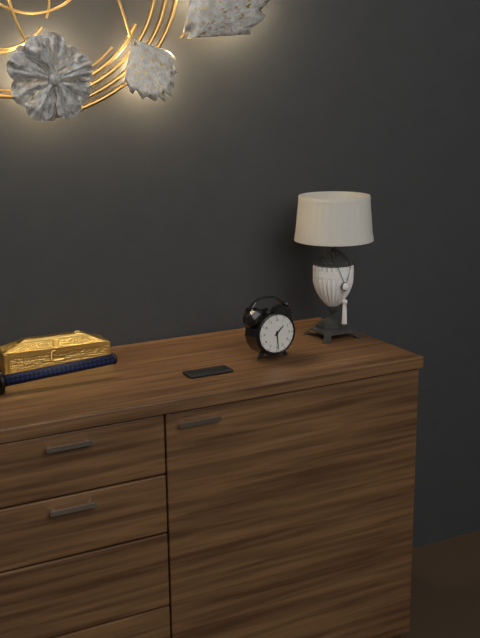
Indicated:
1.29
